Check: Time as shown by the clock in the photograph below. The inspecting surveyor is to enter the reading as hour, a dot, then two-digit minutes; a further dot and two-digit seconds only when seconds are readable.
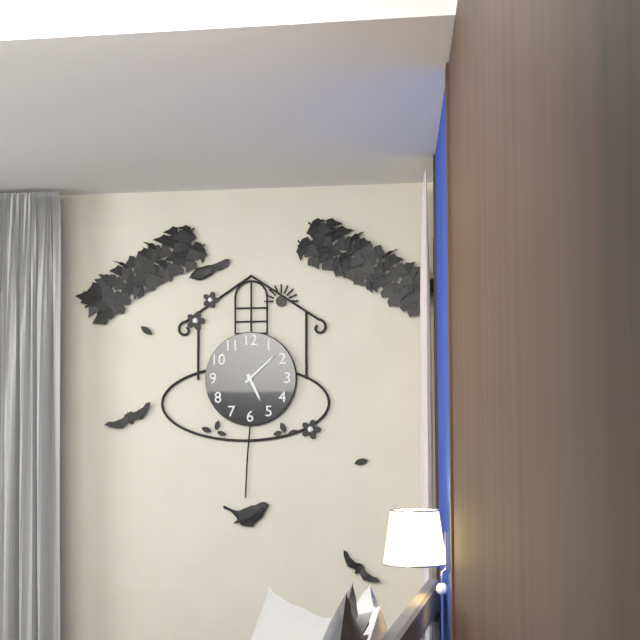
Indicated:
5.08
